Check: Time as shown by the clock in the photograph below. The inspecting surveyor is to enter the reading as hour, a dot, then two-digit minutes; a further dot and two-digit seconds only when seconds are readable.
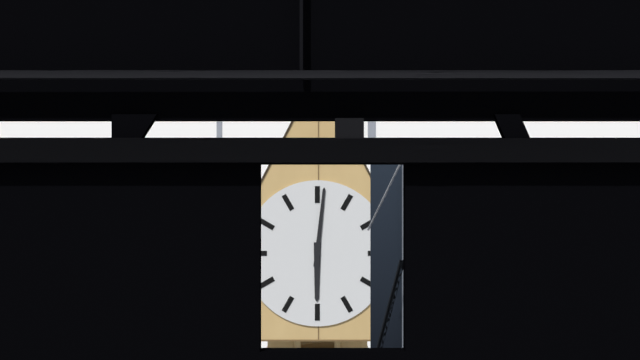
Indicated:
6.01
